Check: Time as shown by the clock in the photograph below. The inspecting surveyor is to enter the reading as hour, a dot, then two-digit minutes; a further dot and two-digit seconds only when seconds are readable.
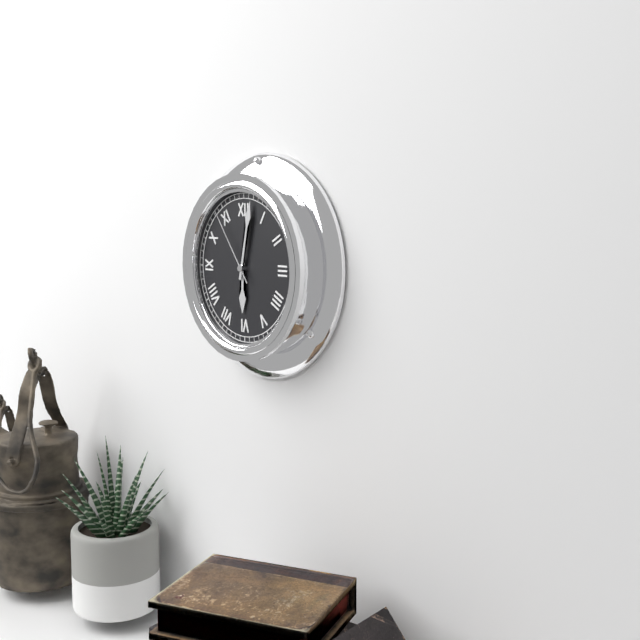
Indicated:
6.02.54
